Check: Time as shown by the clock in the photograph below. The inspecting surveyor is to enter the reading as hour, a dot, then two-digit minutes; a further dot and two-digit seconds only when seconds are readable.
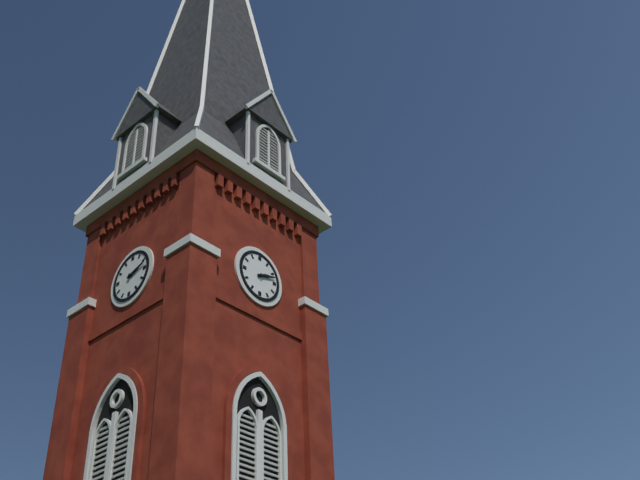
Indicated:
2.12
